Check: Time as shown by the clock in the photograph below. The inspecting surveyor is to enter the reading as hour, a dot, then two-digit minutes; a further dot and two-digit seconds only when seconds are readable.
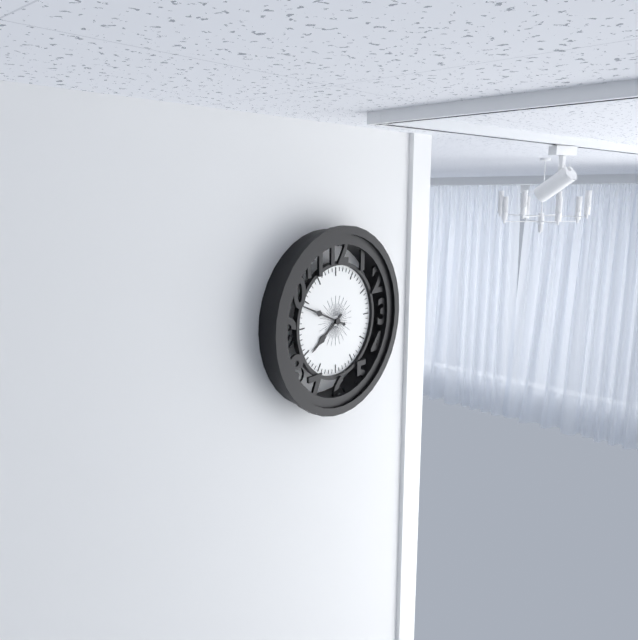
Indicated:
7.49
